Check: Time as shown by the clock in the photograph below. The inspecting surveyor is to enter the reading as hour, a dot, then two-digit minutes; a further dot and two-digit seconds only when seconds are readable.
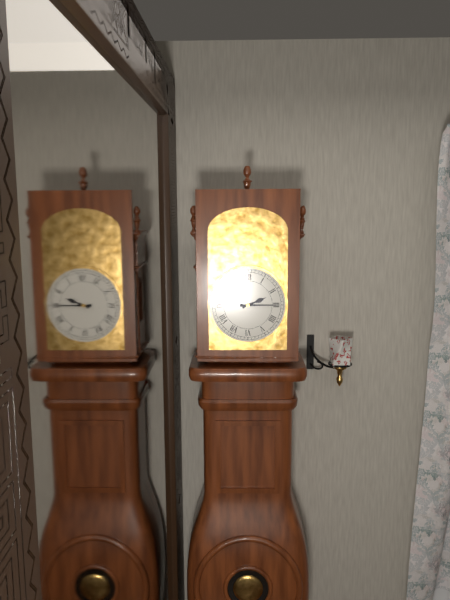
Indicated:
2.15
